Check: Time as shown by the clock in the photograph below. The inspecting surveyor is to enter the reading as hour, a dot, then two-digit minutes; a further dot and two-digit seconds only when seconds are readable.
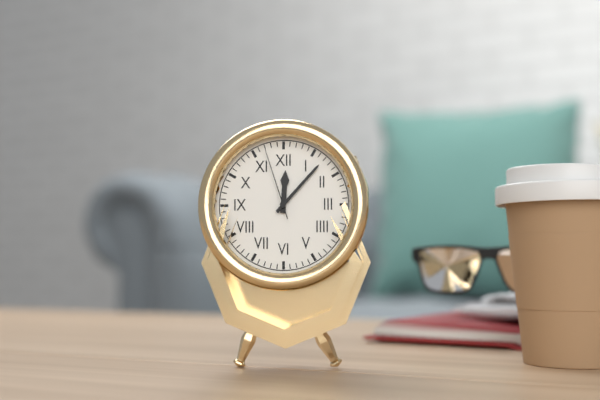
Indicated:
12.07.57
